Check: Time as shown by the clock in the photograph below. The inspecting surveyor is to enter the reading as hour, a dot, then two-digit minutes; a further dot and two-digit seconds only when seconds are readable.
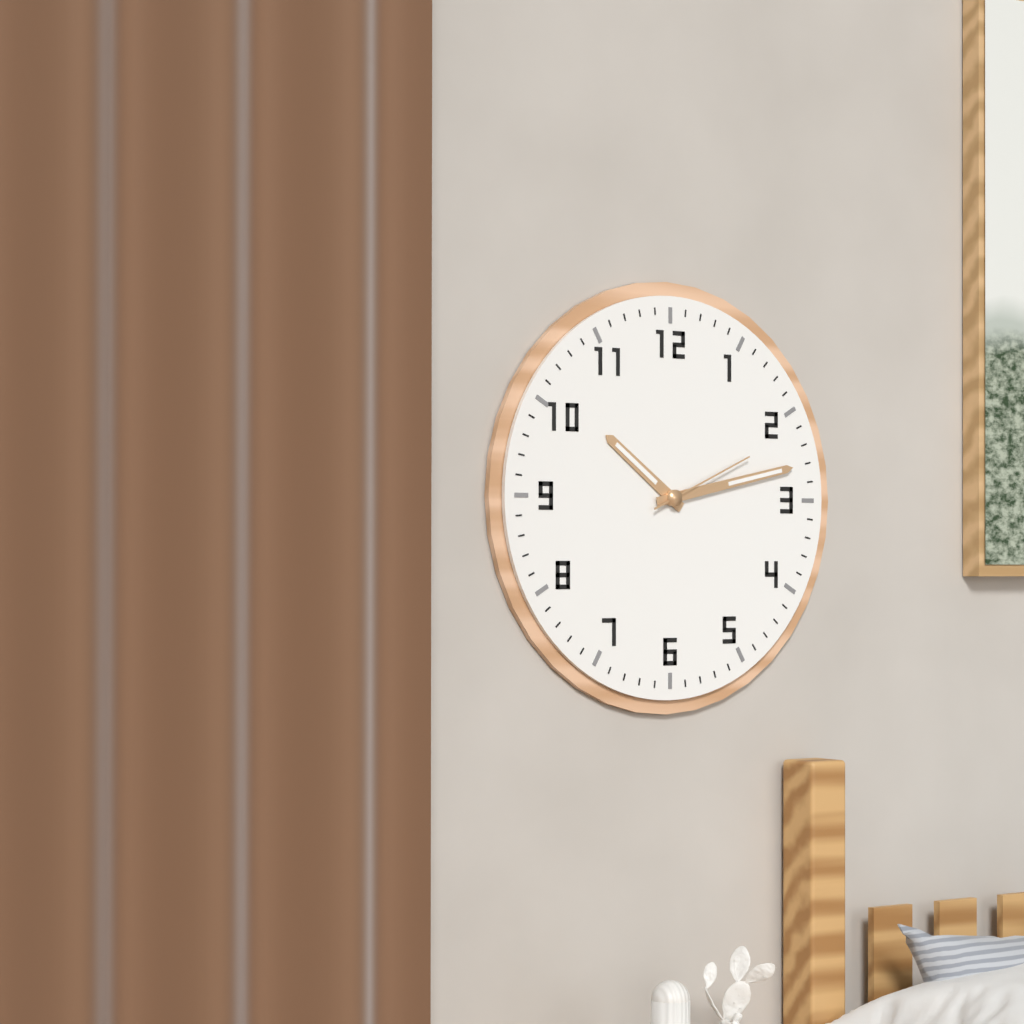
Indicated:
10.13.11
